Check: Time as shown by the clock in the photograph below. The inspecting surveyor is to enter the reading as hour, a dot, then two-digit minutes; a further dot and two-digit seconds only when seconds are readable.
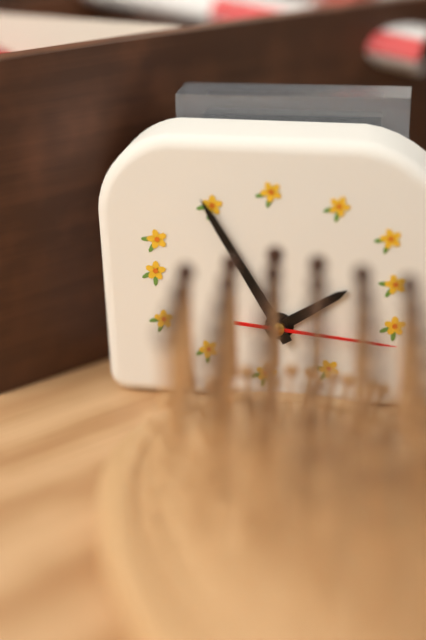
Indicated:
1.55.16
